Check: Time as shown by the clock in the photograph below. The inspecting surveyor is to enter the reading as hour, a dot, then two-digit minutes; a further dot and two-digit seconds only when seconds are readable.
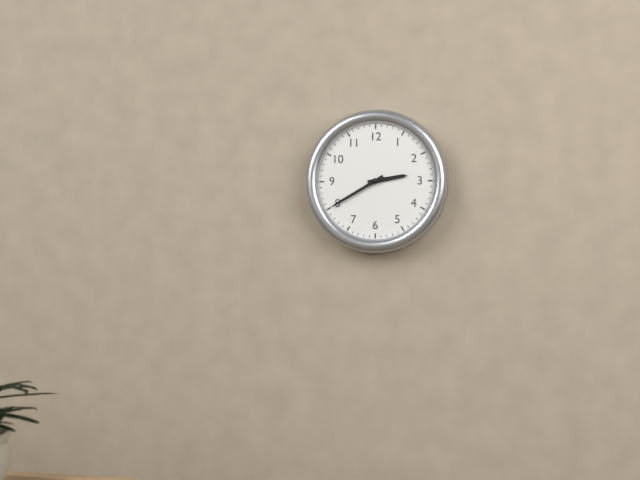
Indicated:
2.40
